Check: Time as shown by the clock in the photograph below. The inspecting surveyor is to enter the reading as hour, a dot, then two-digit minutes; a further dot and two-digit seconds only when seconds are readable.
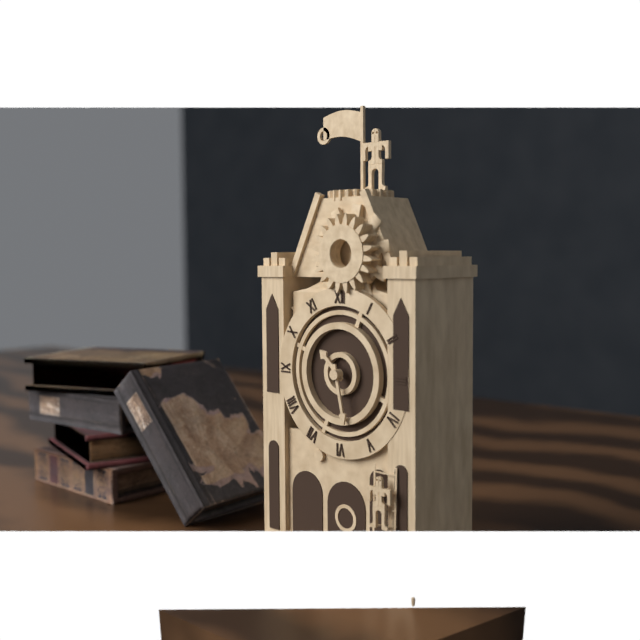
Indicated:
10.28
